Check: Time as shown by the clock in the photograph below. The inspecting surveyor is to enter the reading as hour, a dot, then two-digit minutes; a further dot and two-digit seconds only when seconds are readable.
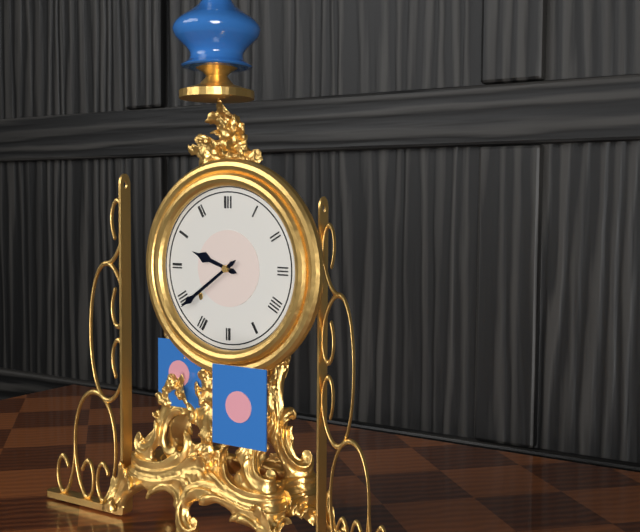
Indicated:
9.39
